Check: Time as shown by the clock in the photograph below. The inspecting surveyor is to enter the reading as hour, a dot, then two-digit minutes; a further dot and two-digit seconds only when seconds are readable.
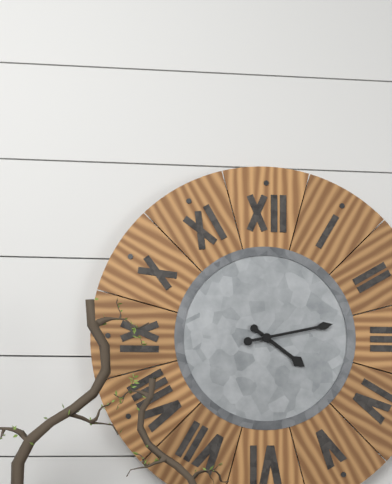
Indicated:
4.13
